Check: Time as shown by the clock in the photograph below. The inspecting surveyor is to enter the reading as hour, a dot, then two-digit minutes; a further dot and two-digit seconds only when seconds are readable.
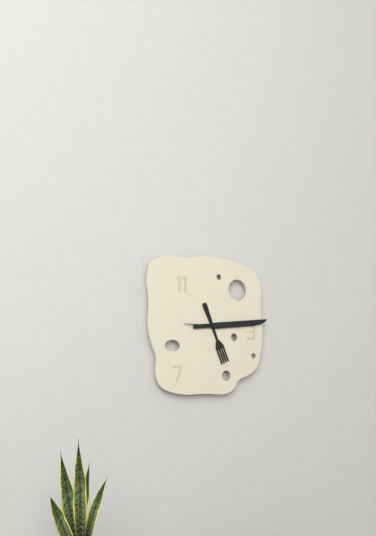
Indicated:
5.14
